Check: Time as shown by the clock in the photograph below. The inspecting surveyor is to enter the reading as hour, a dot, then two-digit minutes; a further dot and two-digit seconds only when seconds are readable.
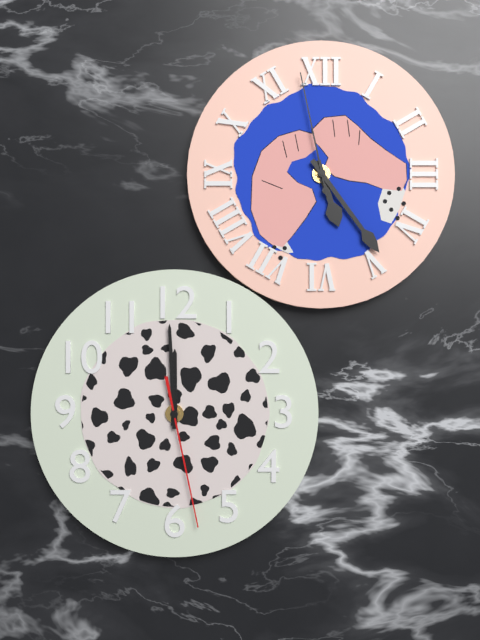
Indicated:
5.24.58
